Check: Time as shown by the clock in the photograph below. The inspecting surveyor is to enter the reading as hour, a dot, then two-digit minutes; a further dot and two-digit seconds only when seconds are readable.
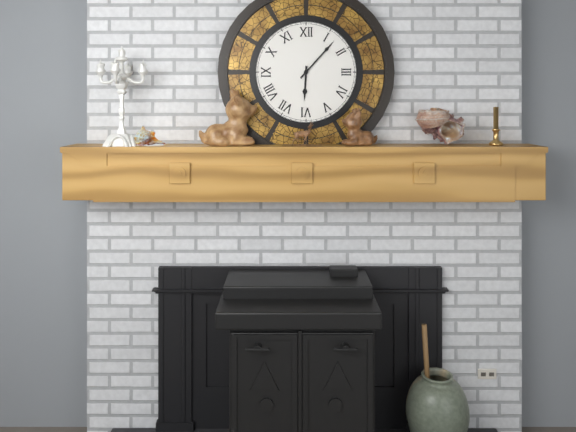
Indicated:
6.07
